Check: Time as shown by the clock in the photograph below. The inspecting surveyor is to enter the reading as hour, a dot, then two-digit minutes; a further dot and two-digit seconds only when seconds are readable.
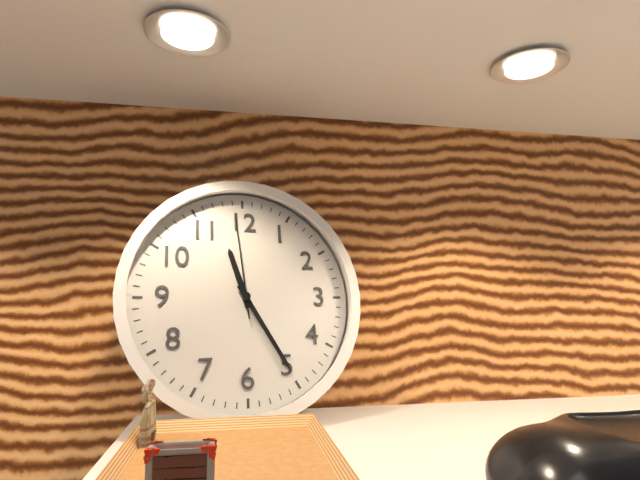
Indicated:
11.25.59
